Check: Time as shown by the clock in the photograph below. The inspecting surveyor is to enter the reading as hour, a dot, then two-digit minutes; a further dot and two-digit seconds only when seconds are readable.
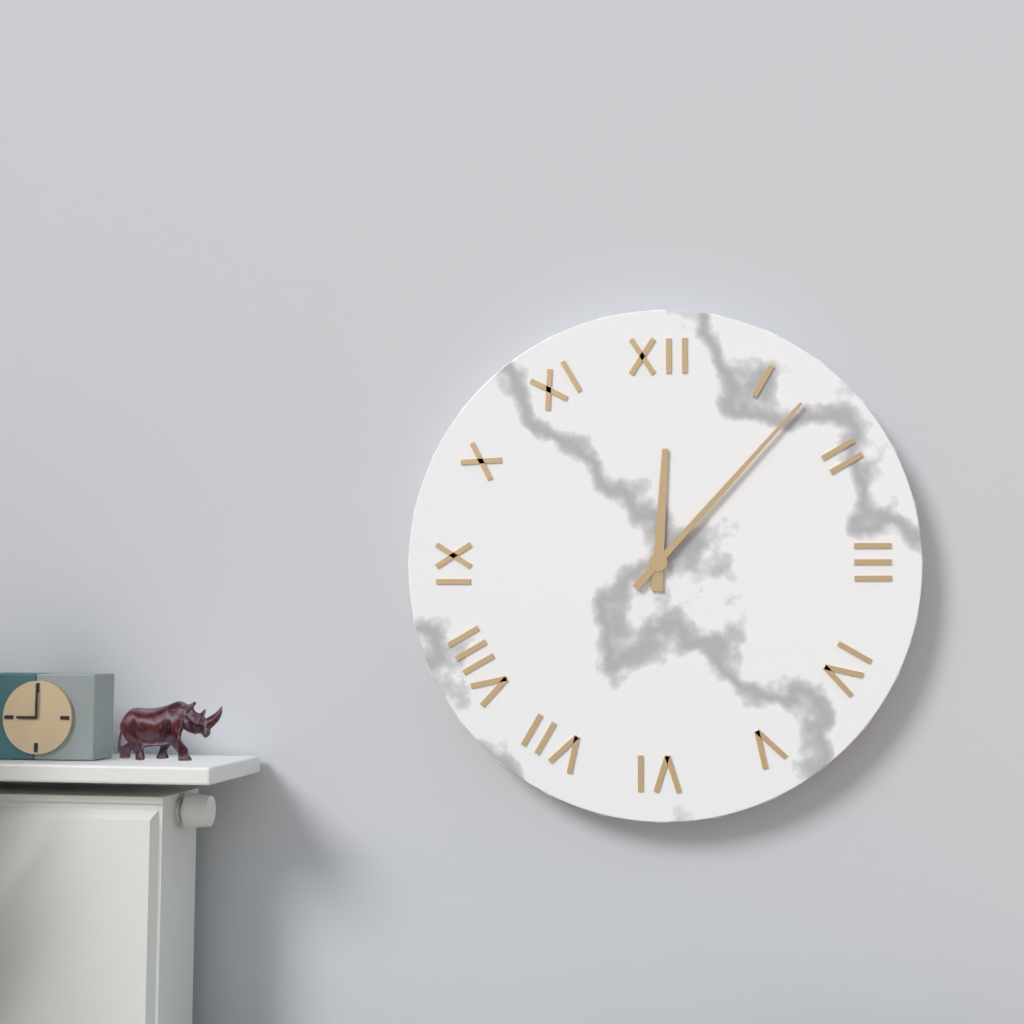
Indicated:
12.07
